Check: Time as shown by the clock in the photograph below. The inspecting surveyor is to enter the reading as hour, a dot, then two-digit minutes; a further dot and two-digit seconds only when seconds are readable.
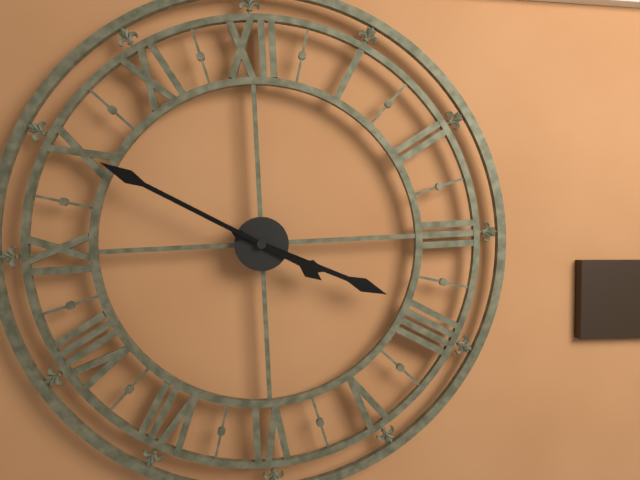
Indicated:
3.50
